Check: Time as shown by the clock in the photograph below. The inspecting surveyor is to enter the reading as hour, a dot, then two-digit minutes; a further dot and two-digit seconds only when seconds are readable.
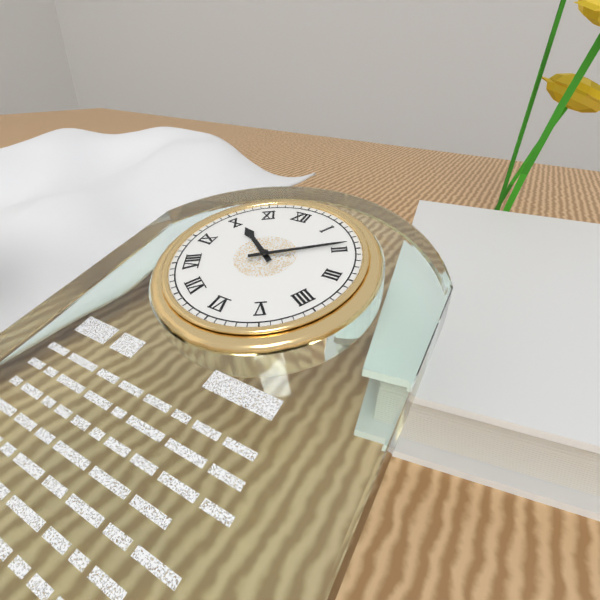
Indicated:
10.09
